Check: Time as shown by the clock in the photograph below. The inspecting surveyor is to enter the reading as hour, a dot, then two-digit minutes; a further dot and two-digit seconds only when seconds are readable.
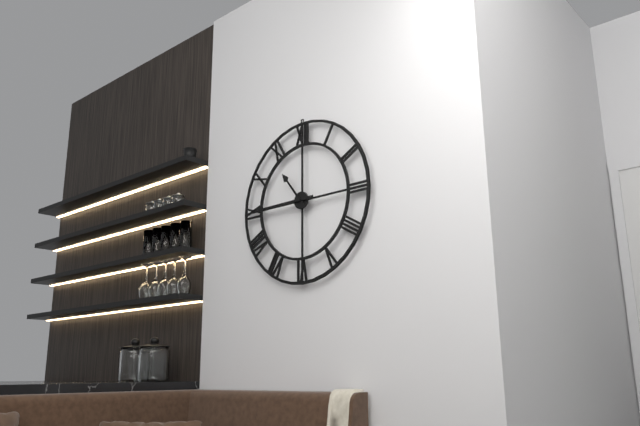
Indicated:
10.45
